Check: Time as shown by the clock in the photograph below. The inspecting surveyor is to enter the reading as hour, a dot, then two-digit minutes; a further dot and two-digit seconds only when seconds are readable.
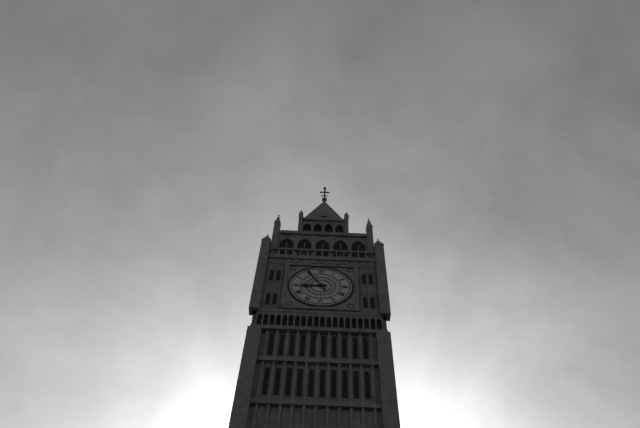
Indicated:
8.55
